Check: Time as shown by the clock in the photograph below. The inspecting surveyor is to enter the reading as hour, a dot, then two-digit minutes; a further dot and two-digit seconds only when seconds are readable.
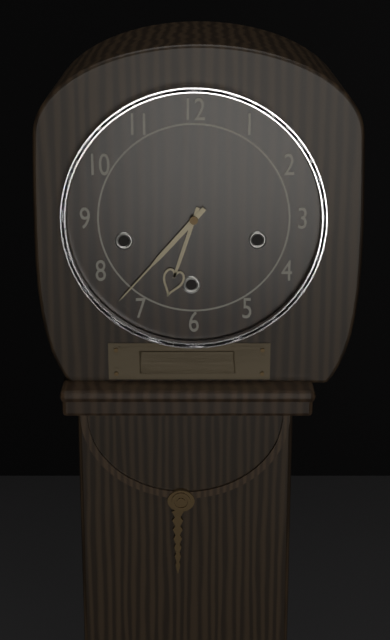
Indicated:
6.37
